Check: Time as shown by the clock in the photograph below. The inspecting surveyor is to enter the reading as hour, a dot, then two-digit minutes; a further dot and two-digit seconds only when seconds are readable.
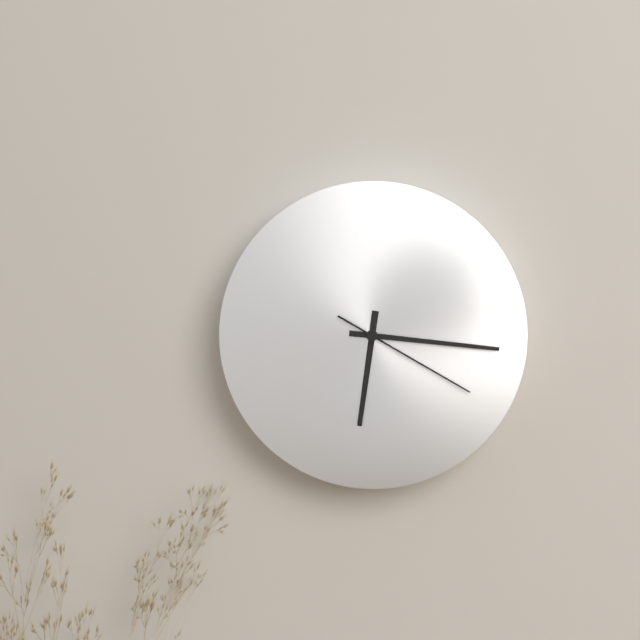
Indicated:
6.16.20
